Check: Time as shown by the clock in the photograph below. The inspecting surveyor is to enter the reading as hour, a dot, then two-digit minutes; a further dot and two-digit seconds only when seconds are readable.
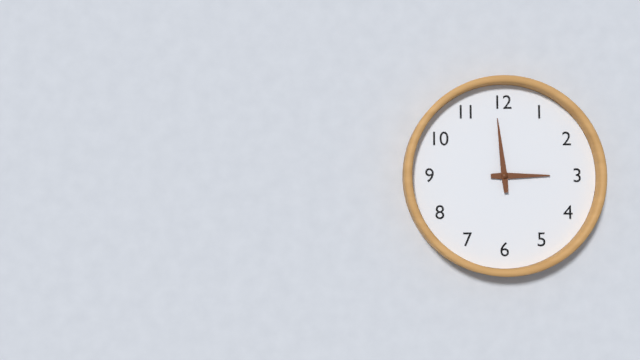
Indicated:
2.59
